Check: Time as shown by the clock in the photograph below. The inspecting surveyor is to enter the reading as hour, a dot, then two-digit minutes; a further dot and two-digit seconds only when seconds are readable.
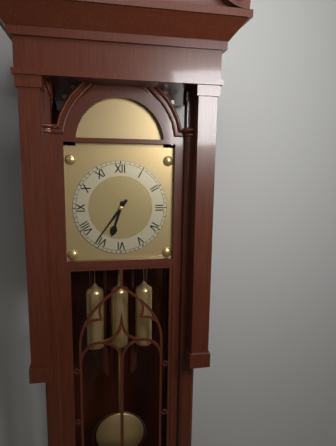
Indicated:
6.36
